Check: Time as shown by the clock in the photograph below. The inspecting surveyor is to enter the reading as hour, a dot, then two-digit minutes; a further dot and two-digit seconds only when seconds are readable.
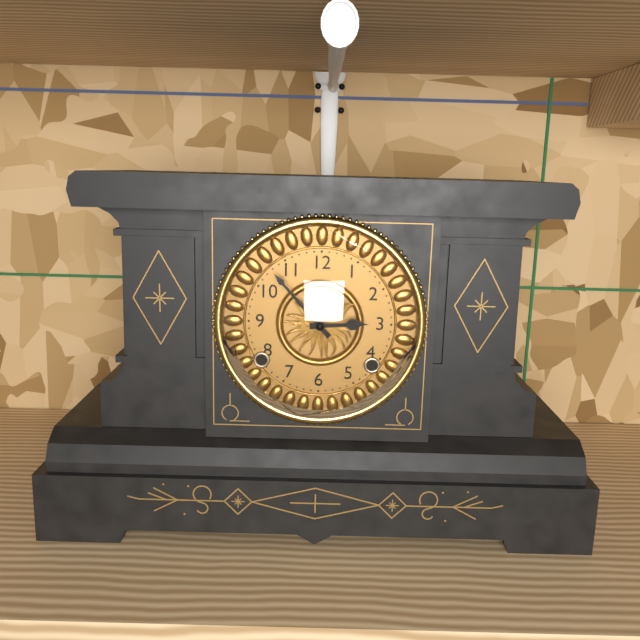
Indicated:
2.53
